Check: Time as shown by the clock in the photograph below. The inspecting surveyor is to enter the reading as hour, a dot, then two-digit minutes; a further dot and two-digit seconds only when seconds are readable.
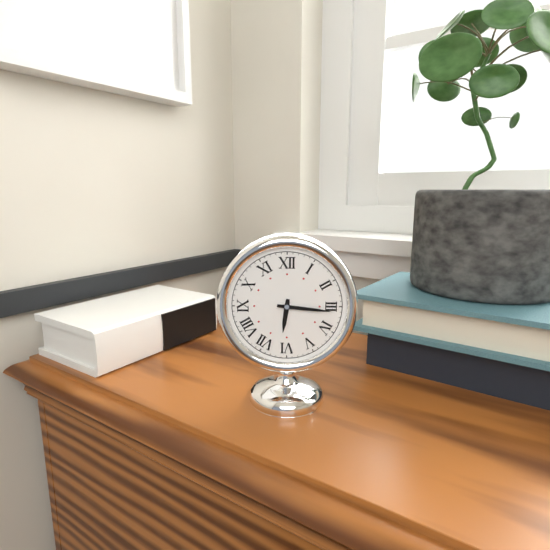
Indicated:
6.16
